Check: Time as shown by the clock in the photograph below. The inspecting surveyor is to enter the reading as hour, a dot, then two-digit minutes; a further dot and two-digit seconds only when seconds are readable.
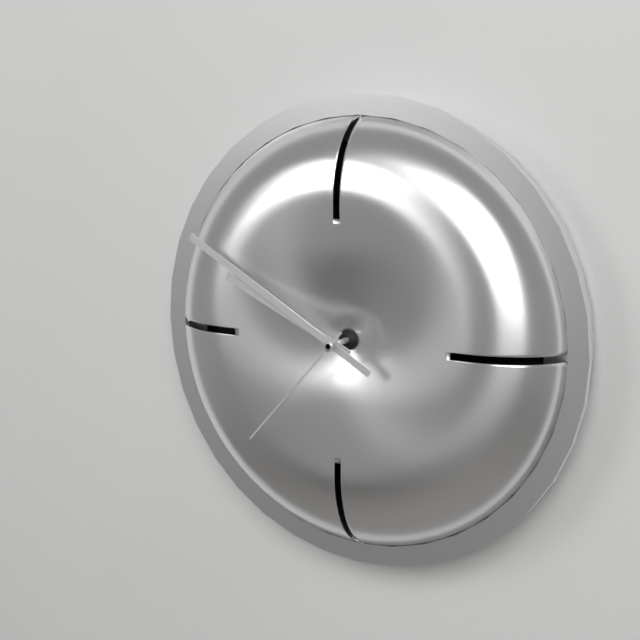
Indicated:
9.50.37
